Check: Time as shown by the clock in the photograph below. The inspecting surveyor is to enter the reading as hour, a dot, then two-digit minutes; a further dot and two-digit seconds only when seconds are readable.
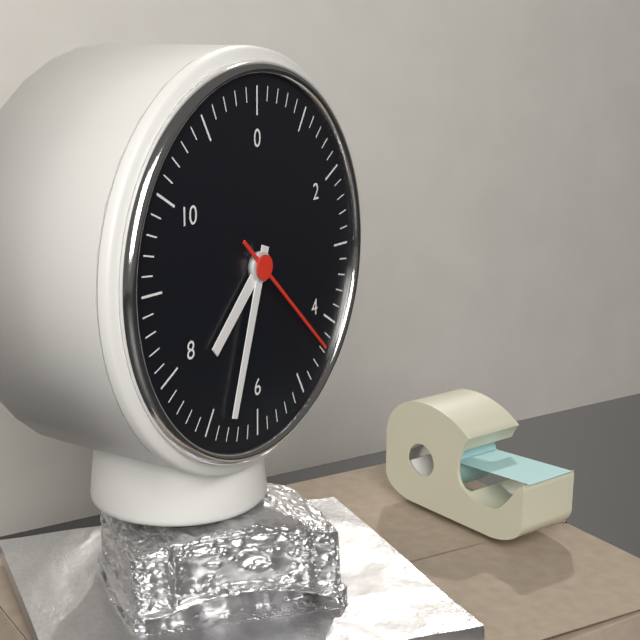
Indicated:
7.33.22
